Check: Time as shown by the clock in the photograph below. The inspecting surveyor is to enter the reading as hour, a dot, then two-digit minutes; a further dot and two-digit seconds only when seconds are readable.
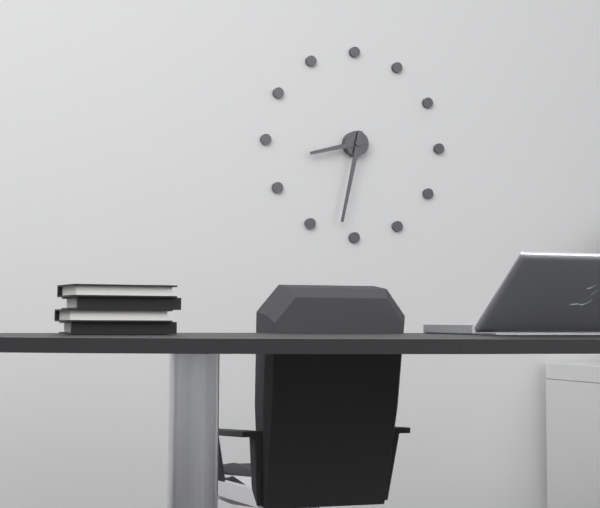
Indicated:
8.32
